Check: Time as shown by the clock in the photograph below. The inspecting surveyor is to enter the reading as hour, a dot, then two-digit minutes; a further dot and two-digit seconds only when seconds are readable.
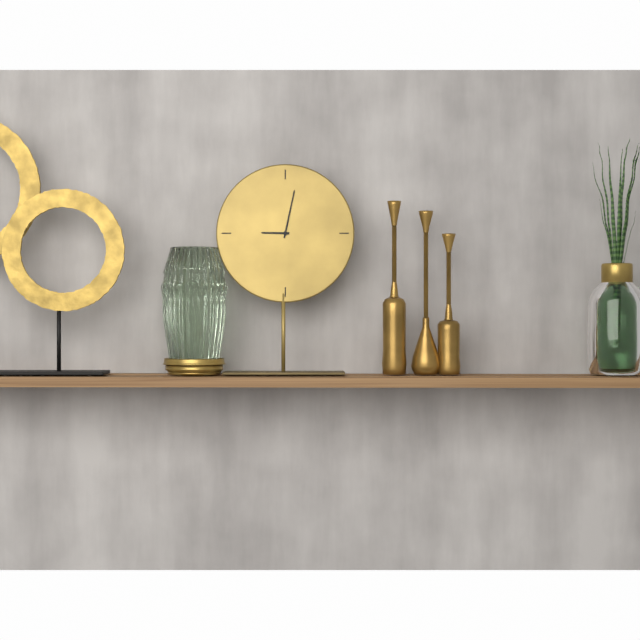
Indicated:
9.02
